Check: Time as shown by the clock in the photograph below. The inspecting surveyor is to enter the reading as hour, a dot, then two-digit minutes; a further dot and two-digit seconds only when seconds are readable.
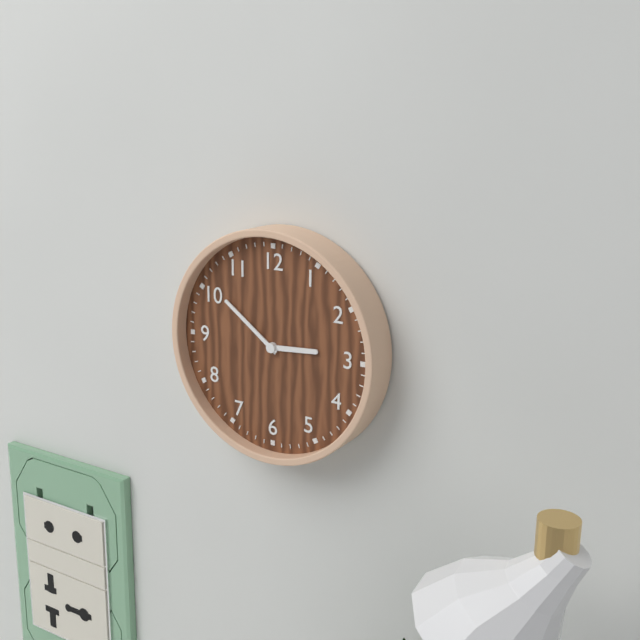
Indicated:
2.51
